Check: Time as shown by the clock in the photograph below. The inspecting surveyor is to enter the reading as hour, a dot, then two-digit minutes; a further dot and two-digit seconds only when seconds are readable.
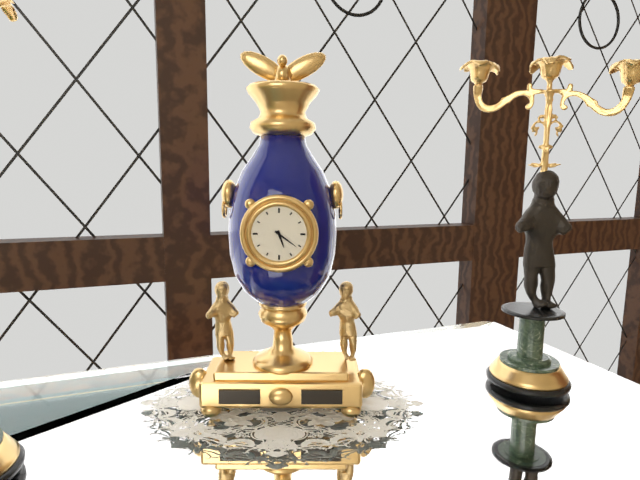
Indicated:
5.21
